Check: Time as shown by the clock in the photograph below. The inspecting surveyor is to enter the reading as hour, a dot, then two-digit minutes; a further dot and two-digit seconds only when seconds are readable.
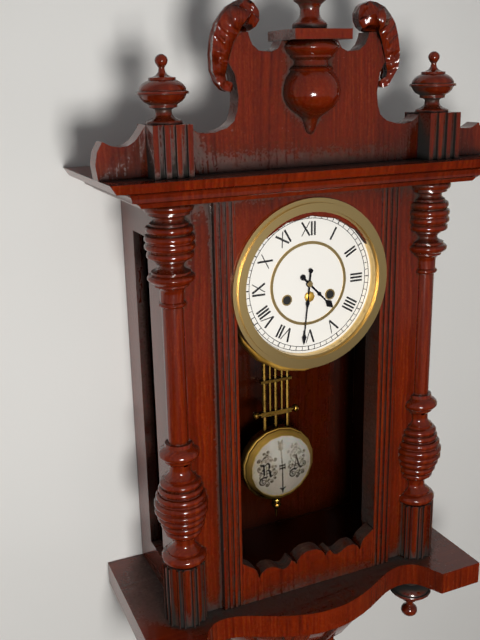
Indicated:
4.31
